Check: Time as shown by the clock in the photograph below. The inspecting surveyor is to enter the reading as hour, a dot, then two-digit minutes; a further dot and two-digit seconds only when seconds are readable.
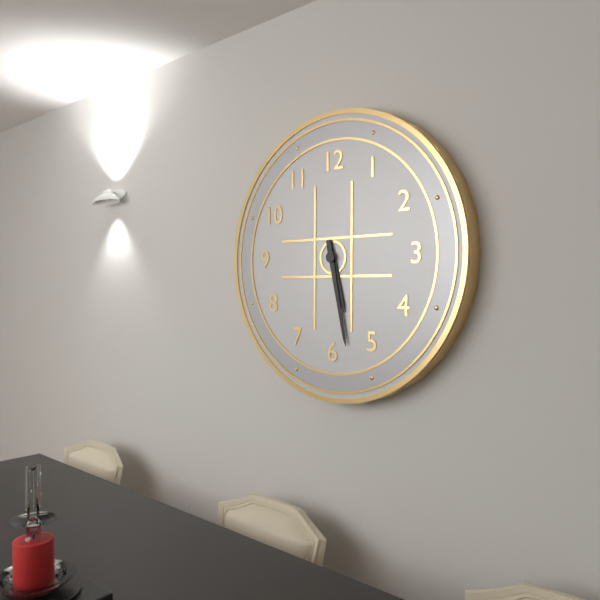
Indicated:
5.28
